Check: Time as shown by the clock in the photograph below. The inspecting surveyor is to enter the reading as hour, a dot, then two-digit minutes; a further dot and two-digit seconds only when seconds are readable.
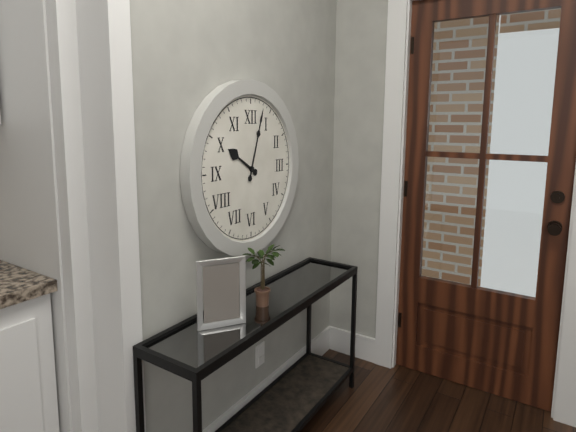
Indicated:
10.03
